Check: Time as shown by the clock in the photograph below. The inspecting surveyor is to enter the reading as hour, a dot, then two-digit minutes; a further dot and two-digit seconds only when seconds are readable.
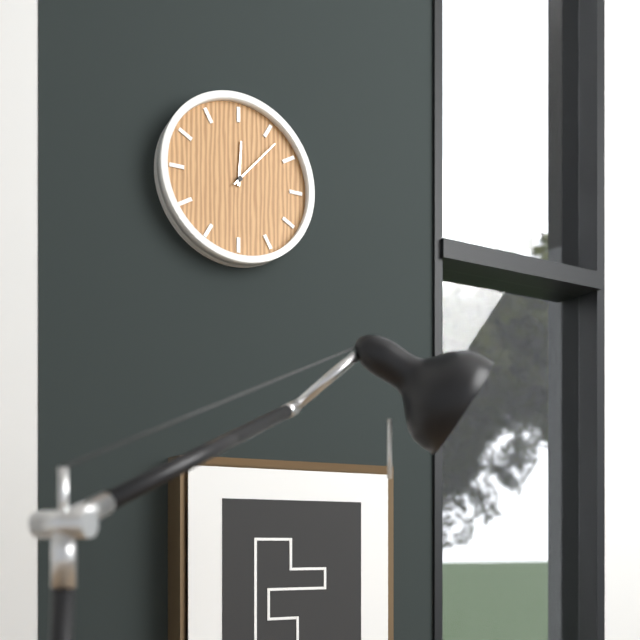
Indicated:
12.07
